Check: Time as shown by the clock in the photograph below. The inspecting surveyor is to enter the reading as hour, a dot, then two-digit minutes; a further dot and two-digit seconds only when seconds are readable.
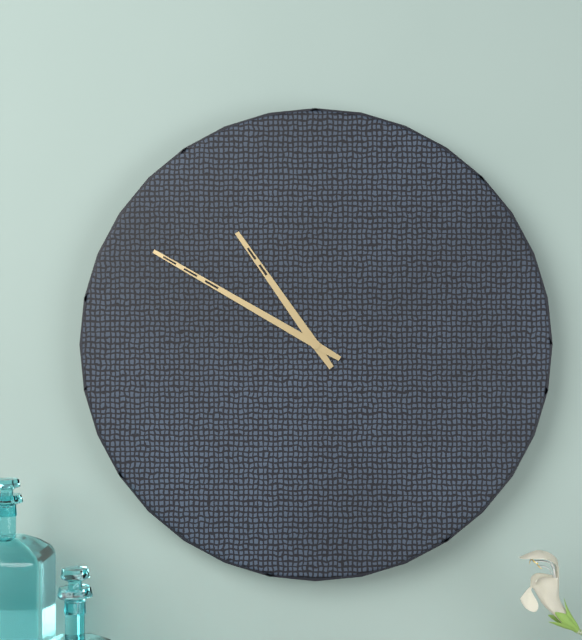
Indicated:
10.50
